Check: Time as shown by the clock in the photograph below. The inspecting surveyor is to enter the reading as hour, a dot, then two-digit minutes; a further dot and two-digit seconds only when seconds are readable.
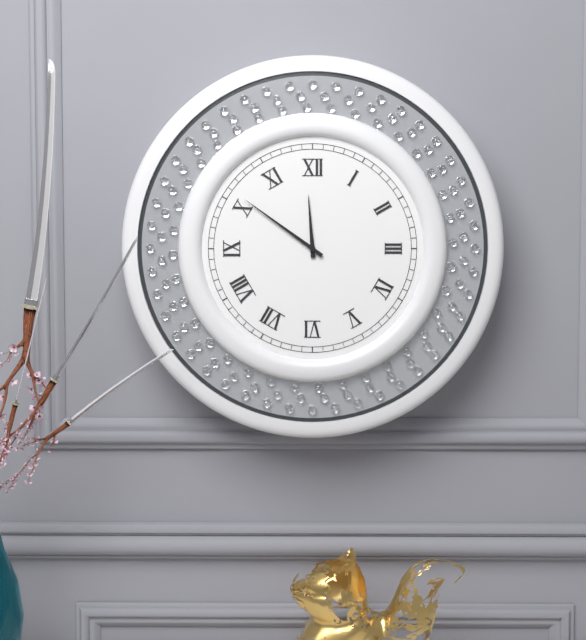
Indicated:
11.51
